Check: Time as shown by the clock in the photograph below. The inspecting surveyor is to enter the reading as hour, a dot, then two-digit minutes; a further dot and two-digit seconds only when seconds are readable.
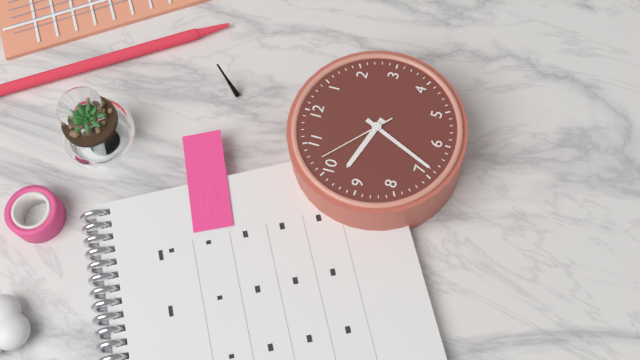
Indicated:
9.34.52
